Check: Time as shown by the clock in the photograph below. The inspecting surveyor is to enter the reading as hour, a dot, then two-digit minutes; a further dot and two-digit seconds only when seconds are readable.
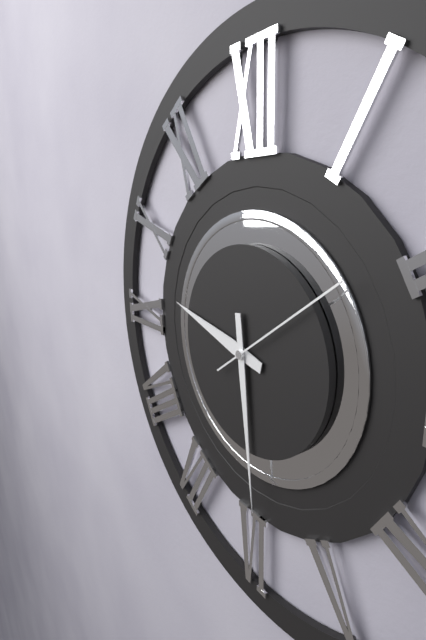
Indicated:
9.29.09
